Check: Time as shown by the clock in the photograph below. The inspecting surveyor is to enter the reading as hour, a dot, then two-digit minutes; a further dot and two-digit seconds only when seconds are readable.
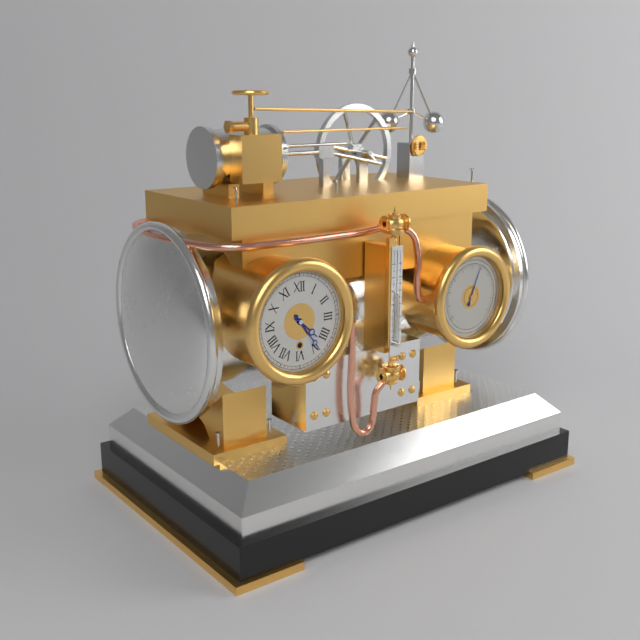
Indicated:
4.24
